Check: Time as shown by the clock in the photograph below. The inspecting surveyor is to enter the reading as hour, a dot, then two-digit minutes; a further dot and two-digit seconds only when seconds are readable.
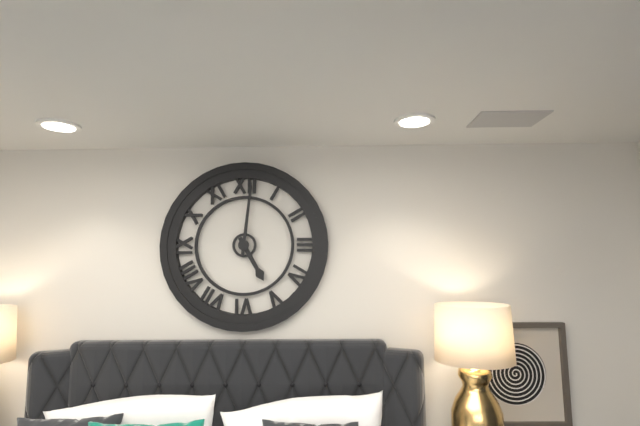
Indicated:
5.01
